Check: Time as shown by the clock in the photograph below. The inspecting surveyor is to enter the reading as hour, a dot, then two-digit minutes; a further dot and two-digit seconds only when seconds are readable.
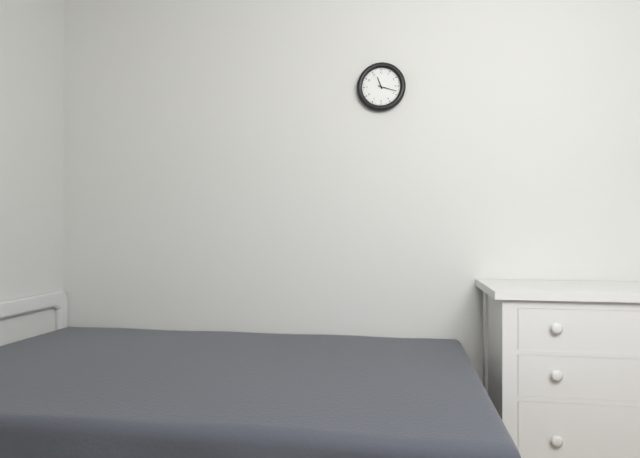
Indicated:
11.18
